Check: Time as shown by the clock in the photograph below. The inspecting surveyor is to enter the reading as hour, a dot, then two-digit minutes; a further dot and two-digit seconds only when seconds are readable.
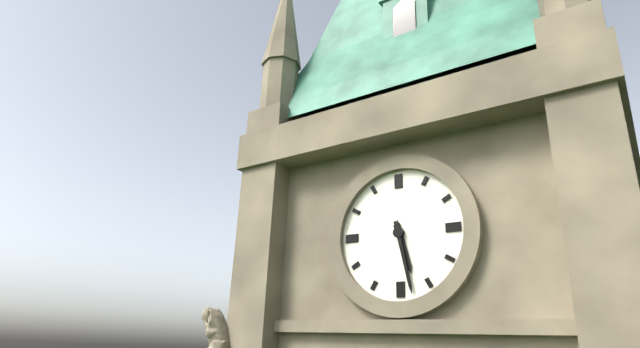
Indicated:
5.28
